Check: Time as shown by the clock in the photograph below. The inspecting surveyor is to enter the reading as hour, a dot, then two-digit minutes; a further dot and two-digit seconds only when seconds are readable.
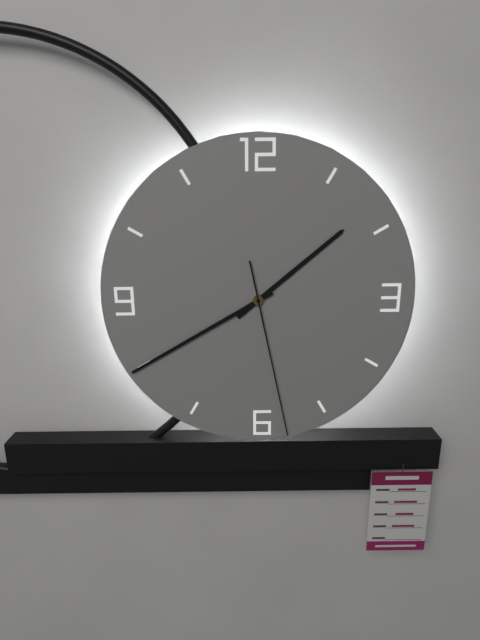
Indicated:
1.40.28
